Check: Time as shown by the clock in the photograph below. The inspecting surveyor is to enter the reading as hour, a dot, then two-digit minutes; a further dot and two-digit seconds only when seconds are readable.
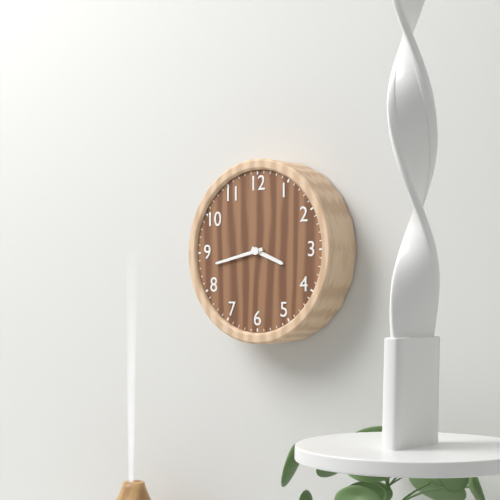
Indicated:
3.43
